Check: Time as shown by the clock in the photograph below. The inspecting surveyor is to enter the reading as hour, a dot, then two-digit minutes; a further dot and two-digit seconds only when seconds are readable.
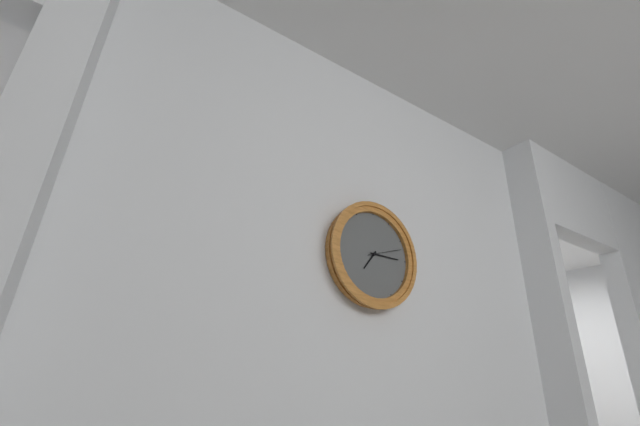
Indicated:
7.15
